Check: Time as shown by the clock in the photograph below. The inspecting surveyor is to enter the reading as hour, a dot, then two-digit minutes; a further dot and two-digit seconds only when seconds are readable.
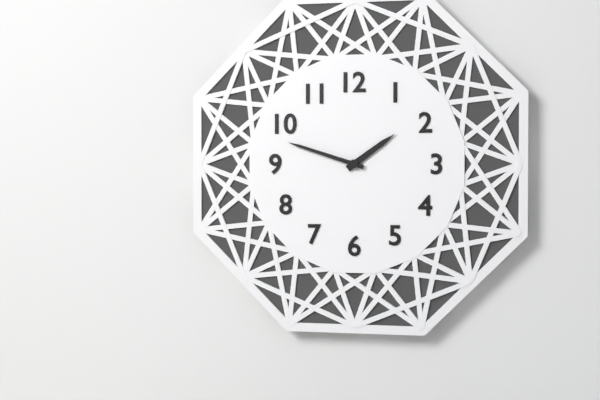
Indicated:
1.48
